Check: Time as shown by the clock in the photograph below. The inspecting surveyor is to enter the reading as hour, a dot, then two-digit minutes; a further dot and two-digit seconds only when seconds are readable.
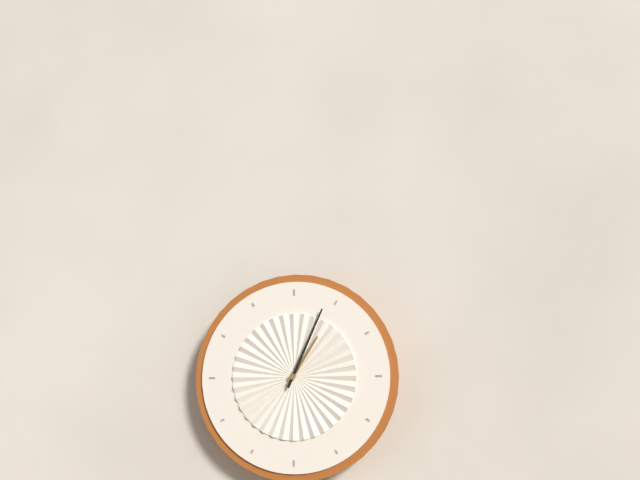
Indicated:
1.04
